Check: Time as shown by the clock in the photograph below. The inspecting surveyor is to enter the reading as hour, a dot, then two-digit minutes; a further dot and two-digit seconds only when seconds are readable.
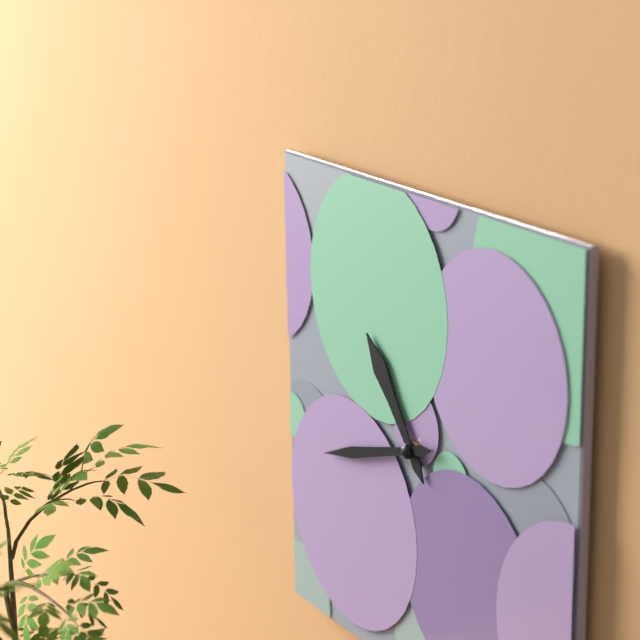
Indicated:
10.42
